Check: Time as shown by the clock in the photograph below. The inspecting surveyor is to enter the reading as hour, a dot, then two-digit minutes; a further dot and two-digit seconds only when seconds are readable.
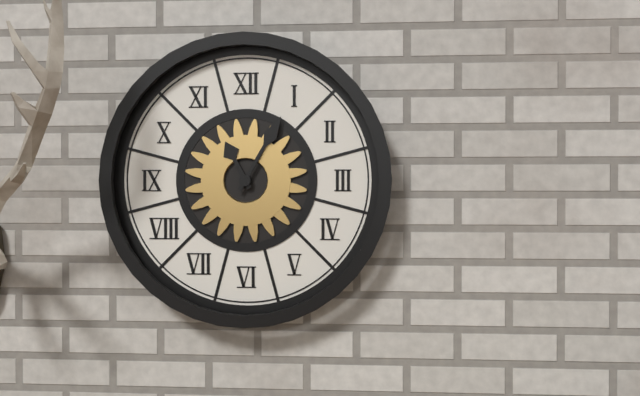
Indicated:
11.05
